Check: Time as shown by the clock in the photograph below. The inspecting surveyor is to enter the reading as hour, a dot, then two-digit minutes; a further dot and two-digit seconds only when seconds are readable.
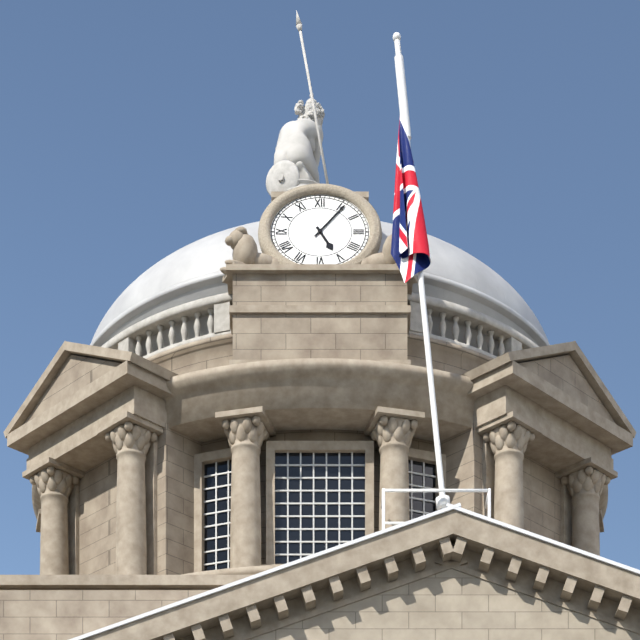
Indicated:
5.06
